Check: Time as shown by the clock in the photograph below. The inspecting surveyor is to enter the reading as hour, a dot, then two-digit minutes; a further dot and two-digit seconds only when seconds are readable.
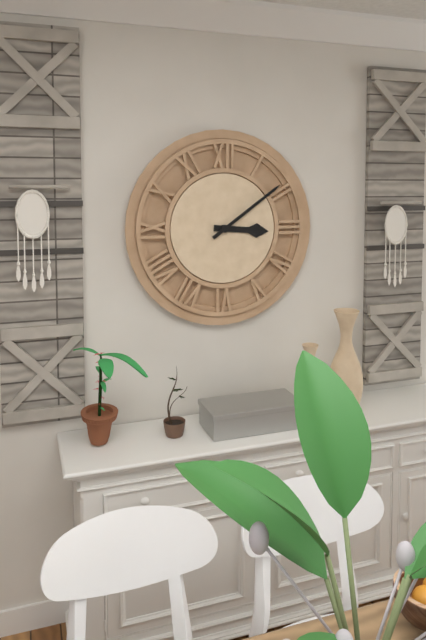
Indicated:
3.09
